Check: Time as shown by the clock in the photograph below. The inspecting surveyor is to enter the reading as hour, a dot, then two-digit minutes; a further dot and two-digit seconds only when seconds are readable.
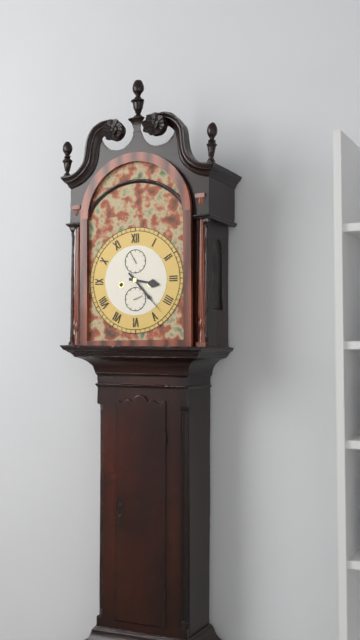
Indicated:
3.23
